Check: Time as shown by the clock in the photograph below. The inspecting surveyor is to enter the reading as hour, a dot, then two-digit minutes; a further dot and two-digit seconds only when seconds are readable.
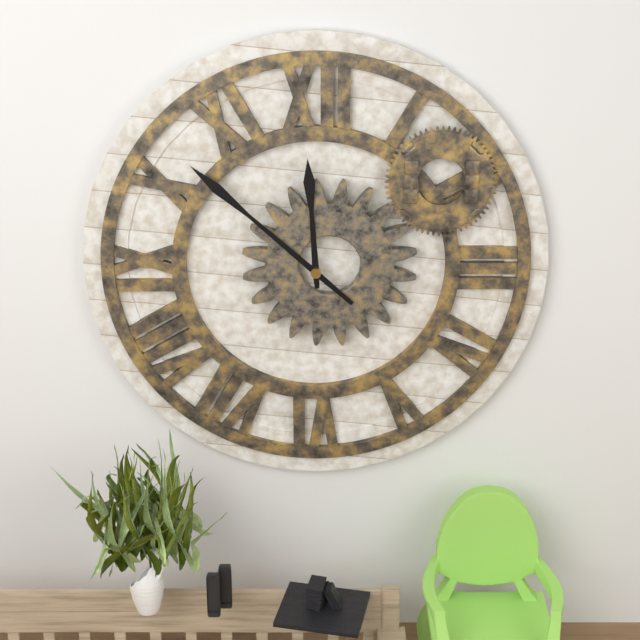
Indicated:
11.52
